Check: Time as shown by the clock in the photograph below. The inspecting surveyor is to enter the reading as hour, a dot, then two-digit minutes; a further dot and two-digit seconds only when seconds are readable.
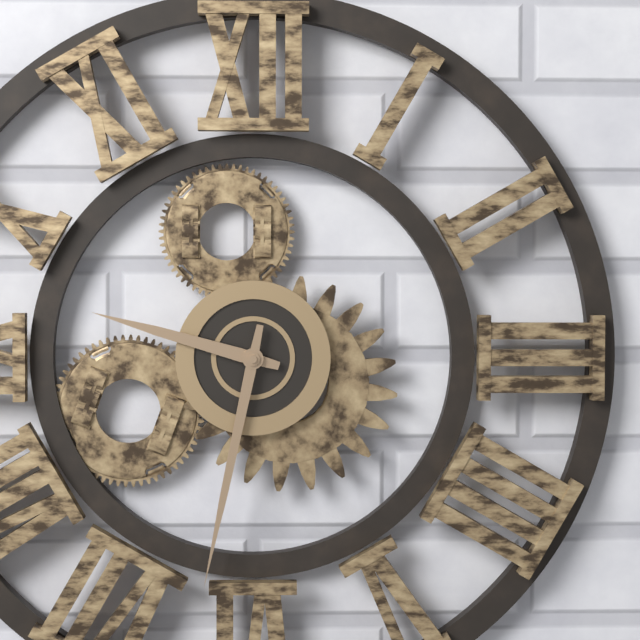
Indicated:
9.32
